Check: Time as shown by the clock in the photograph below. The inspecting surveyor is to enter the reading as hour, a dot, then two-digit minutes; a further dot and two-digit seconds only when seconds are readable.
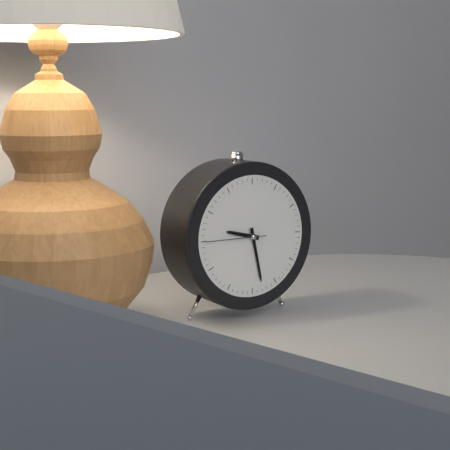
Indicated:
9.28.45
